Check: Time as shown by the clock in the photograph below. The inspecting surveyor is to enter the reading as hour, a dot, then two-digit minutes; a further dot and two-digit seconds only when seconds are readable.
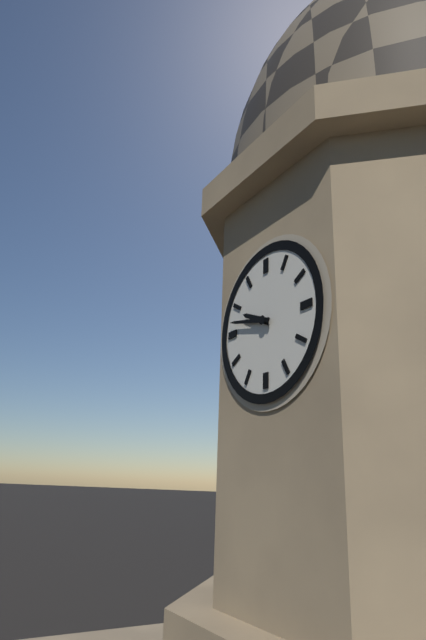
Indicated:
9.47
